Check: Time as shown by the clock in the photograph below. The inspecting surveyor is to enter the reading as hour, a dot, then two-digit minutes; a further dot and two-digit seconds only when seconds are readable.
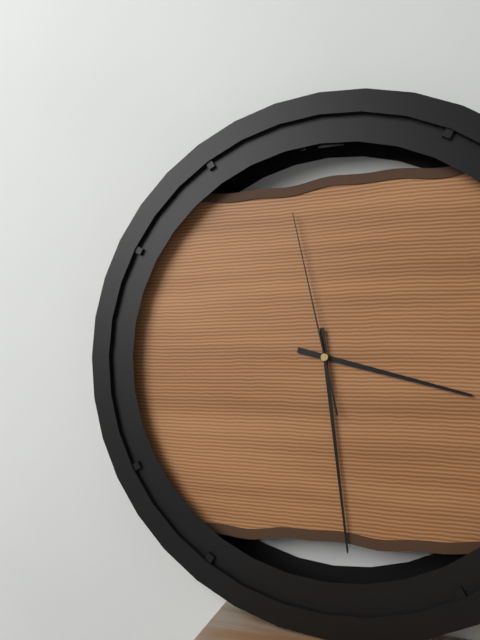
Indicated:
3.29.58
